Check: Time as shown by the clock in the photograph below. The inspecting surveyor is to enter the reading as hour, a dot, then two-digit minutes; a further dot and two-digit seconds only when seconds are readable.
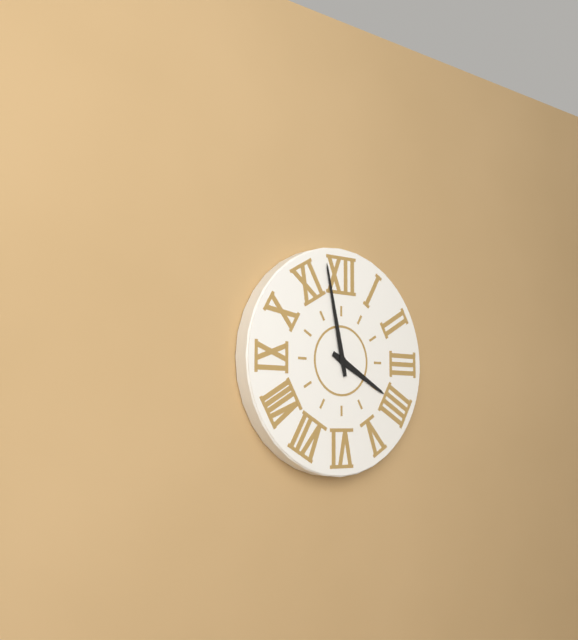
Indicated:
3.58
